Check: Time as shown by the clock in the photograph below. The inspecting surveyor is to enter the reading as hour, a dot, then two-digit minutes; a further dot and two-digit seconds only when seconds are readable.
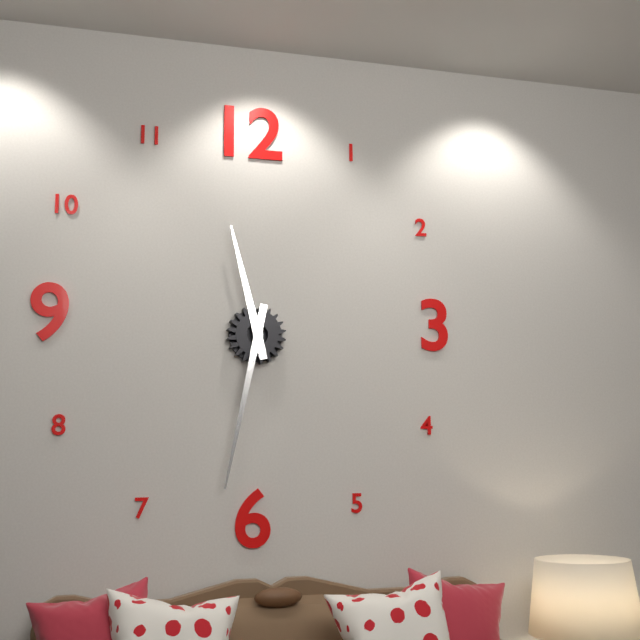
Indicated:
11.32
